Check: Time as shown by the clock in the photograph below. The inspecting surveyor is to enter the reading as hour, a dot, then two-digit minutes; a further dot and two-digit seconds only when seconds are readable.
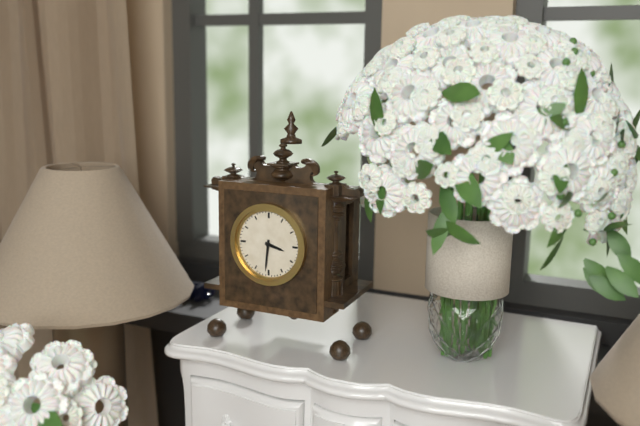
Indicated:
3.31
